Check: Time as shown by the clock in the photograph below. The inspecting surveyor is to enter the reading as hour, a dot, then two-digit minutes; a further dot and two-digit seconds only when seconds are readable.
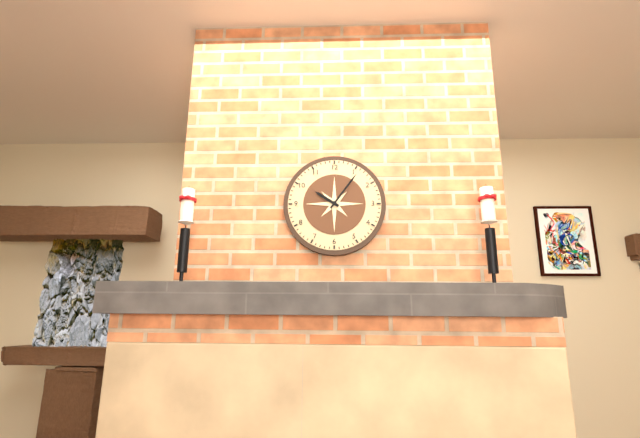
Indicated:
10.06
